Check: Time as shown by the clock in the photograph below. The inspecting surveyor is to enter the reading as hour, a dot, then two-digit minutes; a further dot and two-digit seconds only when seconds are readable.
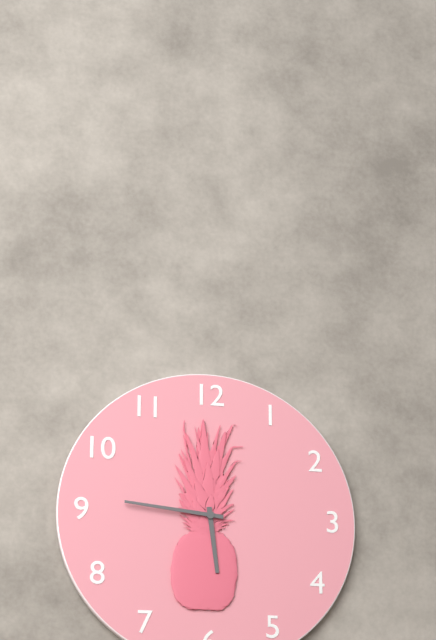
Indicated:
5.46
